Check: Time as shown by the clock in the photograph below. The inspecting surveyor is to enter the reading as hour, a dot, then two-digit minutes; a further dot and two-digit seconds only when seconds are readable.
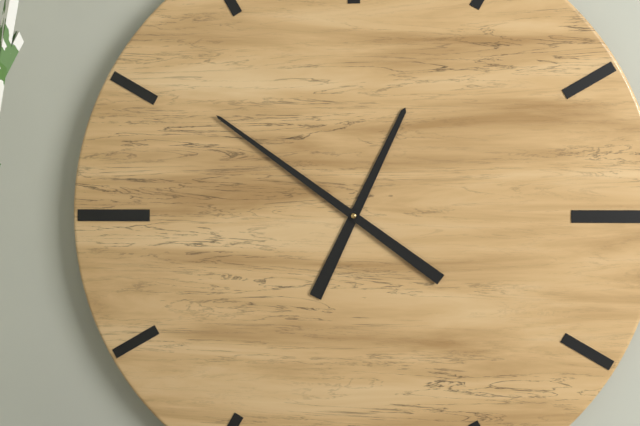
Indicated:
12.51
